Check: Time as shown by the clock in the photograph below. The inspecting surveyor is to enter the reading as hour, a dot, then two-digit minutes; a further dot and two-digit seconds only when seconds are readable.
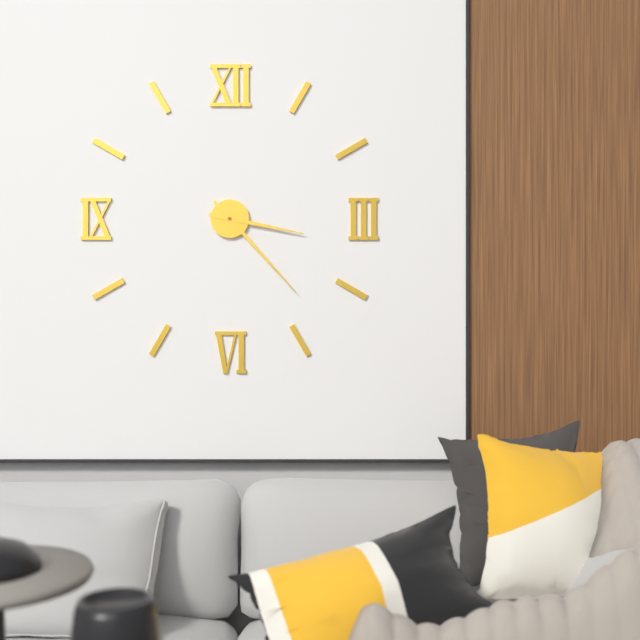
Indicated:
3.23
